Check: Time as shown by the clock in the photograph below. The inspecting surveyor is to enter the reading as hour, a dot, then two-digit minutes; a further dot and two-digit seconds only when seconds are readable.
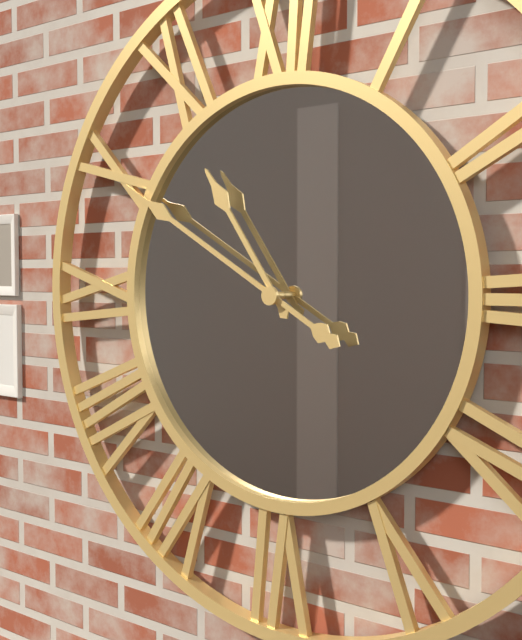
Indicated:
10.50
